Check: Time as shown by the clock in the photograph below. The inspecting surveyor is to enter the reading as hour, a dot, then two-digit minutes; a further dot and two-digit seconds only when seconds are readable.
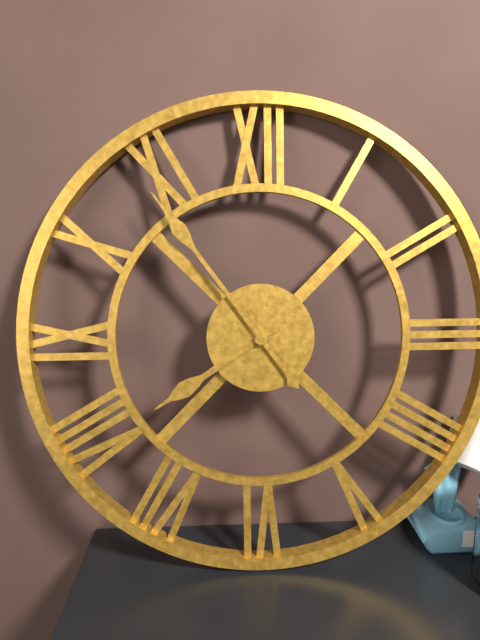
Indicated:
7.54
